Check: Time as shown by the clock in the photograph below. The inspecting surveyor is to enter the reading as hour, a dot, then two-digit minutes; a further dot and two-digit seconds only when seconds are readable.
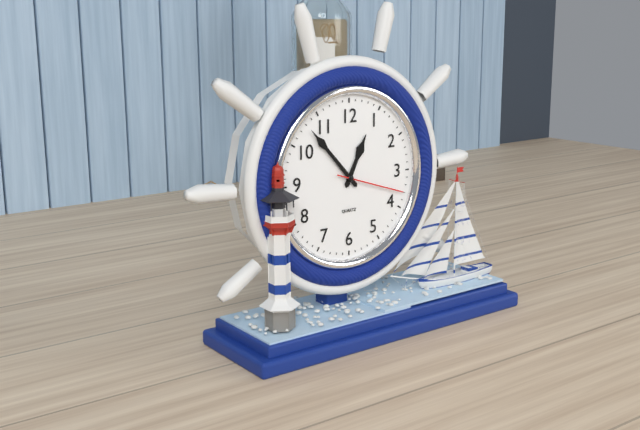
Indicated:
12.53.18
